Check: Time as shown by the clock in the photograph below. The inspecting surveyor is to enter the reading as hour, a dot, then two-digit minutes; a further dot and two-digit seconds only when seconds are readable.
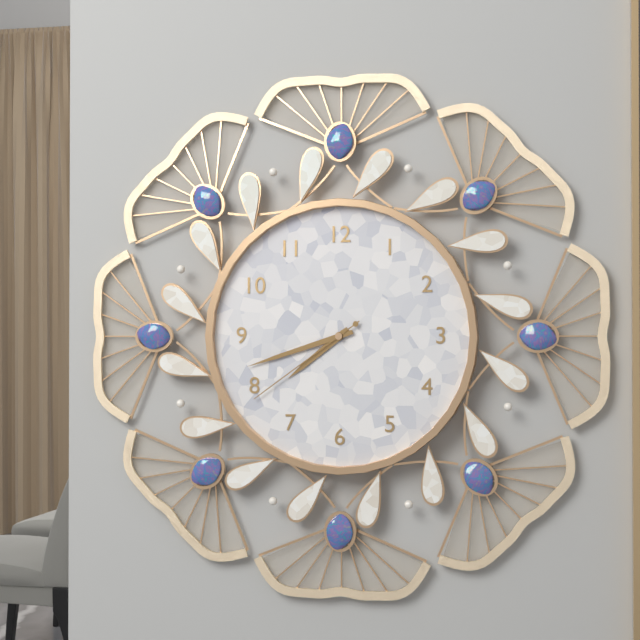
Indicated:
7.42.39
